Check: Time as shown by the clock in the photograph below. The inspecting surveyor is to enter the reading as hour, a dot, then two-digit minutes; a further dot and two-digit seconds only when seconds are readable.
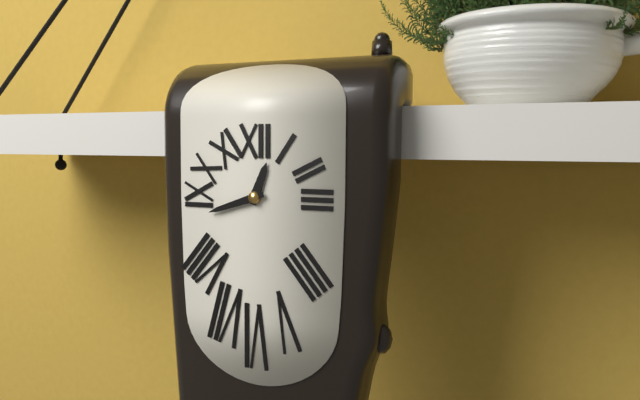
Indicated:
12.42
